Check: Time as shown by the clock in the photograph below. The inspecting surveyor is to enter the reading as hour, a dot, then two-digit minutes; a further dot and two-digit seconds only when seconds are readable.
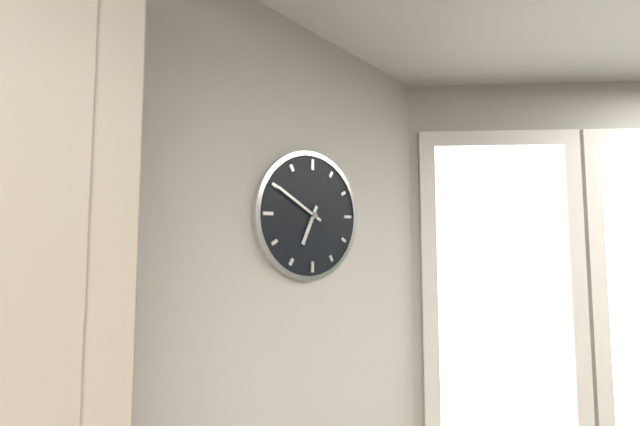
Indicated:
6.50
